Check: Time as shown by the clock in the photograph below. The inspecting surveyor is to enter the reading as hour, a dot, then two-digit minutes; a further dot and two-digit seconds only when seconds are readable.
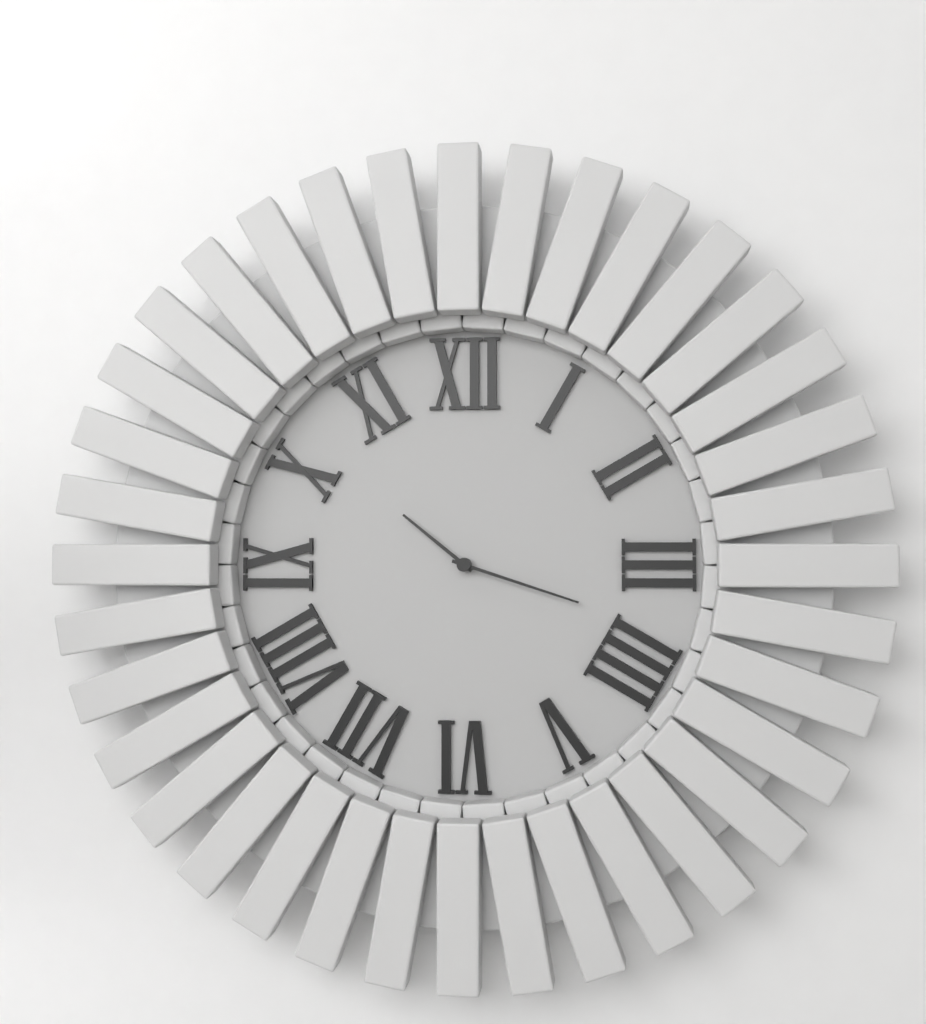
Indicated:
10.18
